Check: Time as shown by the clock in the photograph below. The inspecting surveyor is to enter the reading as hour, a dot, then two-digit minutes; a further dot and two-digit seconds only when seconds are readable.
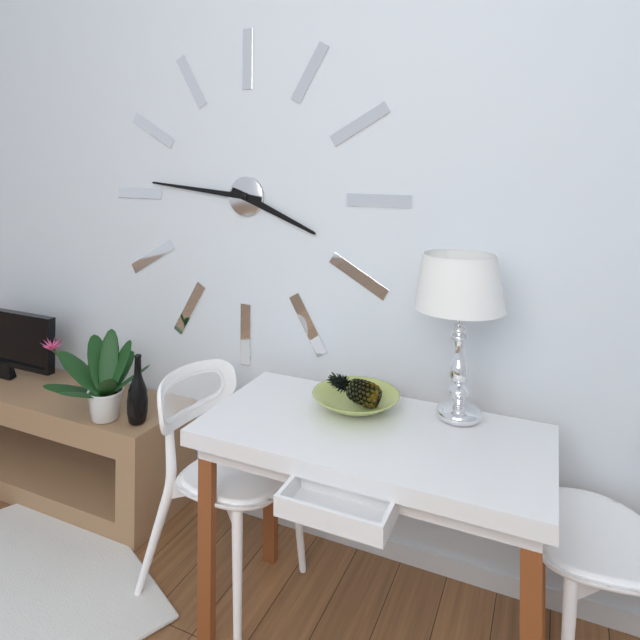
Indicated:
3.46
